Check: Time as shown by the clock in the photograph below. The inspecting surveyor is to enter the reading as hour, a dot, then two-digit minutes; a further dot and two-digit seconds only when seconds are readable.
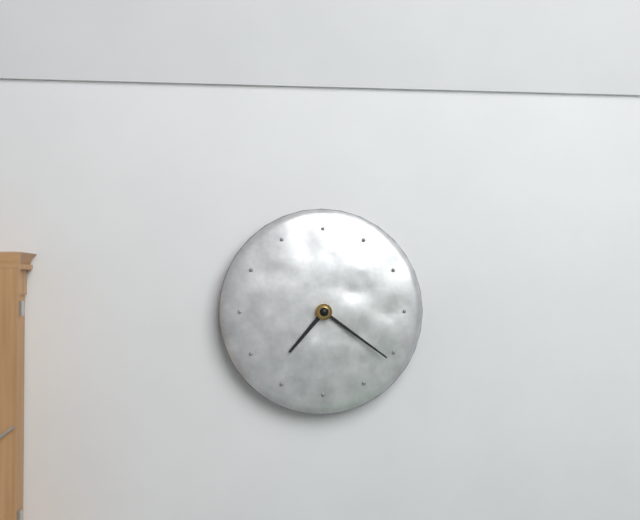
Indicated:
7.21
